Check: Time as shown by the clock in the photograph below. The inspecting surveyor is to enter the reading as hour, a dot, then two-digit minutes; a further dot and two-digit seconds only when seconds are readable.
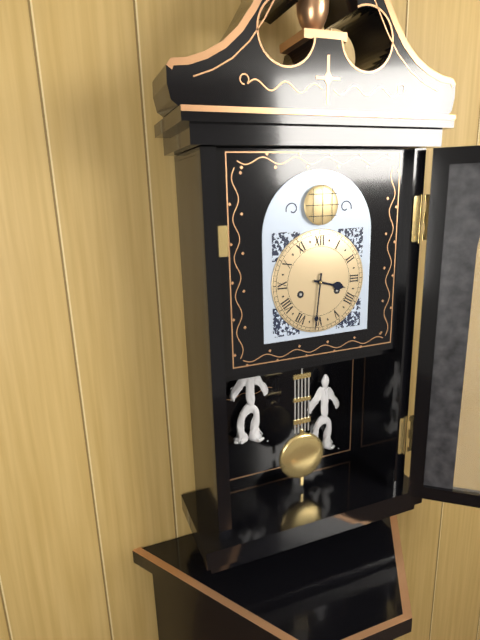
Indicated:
3.31
